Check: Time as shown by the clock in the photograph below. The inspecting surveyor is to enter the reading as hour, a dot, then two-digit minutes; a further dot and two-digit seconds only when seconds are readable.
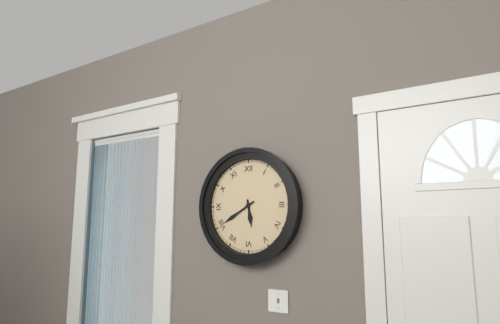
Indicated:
5.40
